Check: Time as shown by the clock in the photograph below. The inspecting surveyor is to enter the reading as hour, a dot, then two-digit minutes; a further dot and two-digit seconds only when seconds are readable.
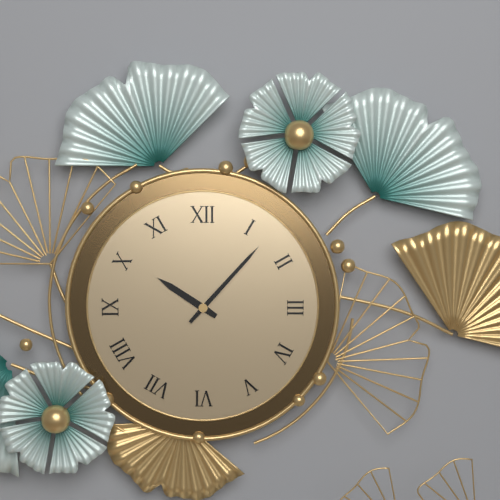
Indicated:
10.07
